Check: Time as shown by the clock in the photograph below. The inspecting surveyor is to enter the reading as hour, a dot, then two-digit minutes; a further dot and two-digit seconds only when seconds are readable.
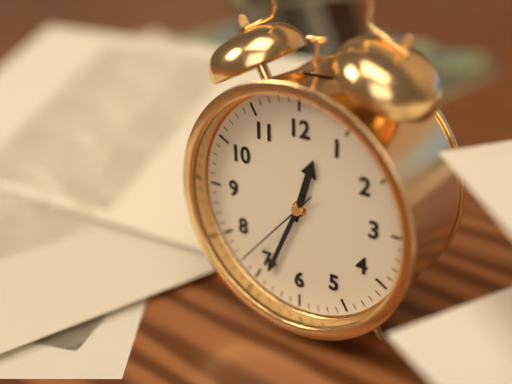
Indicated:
12.34.37
